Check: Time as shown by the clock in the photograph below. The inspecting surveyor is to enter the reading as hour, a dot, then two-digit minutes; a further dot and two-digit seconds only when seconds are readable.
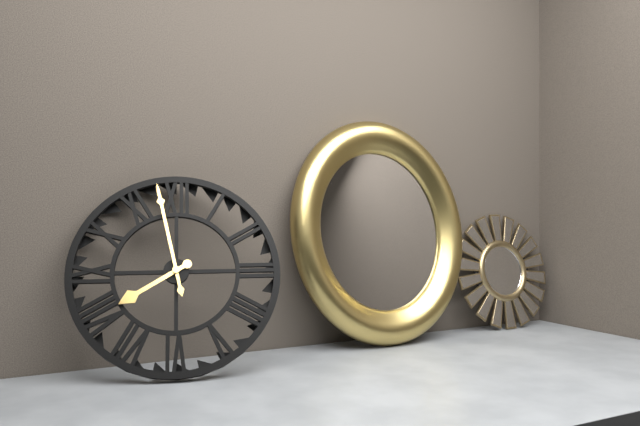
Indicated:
7.58
